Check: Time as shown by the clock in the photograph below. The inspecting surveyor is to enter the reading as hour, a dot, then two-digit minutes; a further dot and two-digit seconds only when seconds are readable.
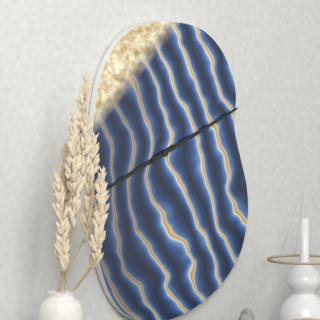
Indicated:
8.11
